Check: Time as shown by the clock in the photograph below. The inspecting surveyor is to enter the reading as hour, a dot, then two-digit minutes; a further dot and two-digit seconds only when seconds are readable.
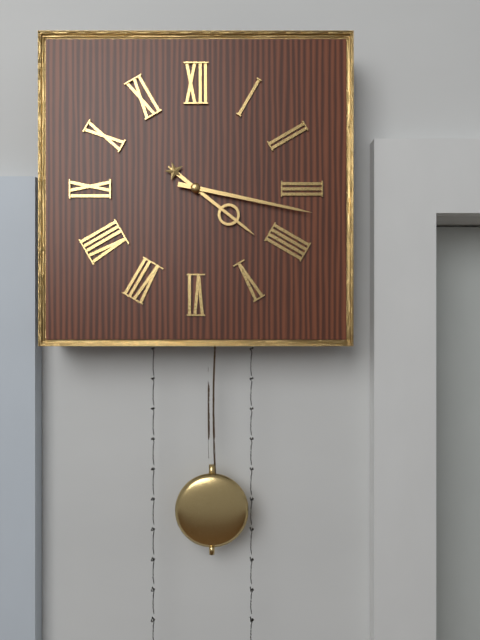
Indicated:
4.17
